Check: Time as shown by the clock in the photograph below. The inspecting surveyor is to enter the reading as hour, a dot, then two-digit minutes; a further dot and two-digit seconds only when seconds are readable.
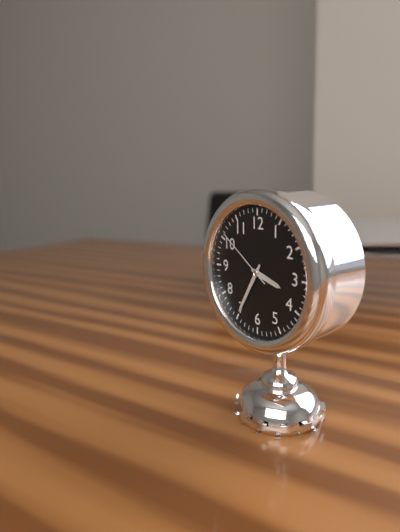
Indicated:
3.35.51
